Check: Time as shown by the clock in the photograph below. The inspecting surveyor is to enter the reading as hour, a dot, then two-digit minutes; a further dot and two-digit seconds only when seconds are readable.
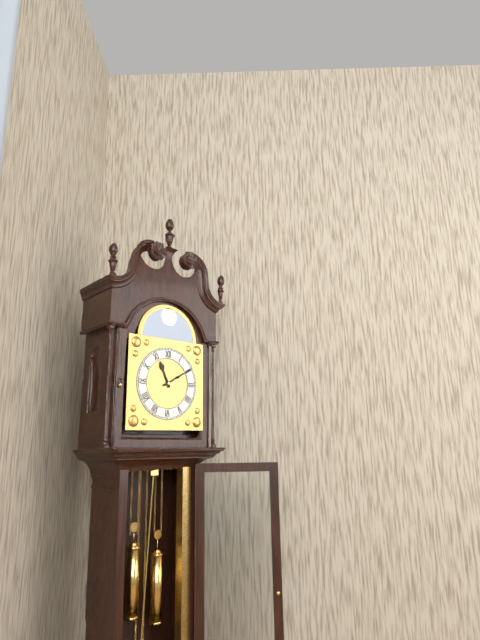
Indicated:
11.10
